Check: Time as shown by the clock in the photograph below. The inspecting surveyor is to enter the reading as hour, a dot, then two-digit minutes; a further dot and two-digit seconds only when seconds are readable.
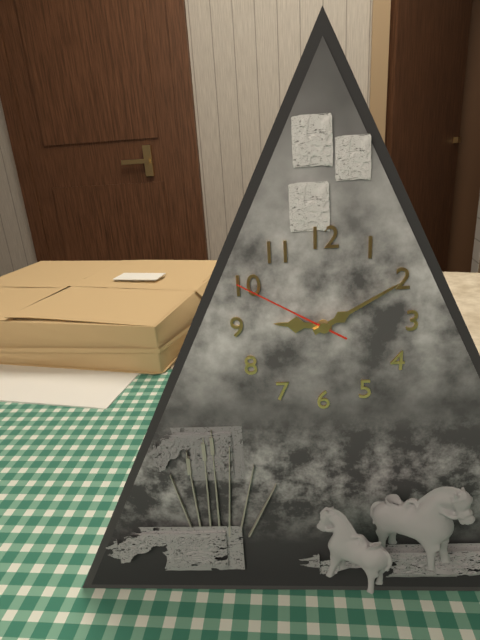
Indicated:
9.10.50
